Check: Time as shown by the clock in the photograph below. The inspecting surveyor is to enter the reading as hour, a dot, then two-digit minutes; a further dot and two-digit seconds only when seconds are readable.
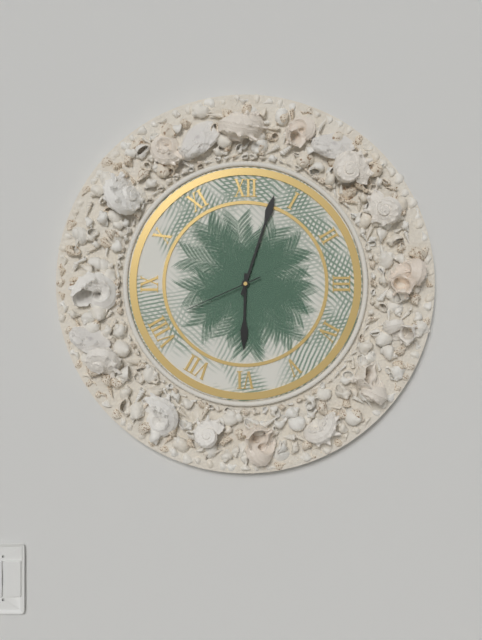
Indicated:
6.03.41
